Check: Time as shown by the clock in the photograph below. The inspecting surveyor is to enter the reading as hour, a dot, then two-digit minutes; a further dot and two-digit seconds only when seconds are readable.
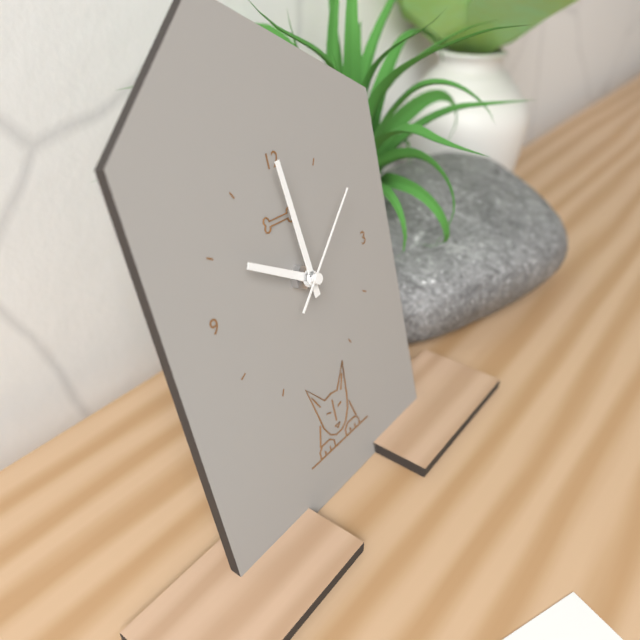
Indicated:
9.59.08
